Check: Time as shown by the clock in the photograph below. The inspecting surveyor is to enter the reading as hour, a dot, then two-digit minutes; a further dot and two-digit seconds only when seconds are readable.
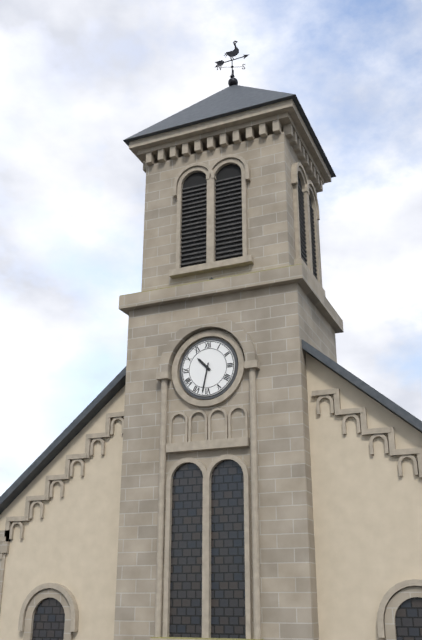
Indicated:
10.32
